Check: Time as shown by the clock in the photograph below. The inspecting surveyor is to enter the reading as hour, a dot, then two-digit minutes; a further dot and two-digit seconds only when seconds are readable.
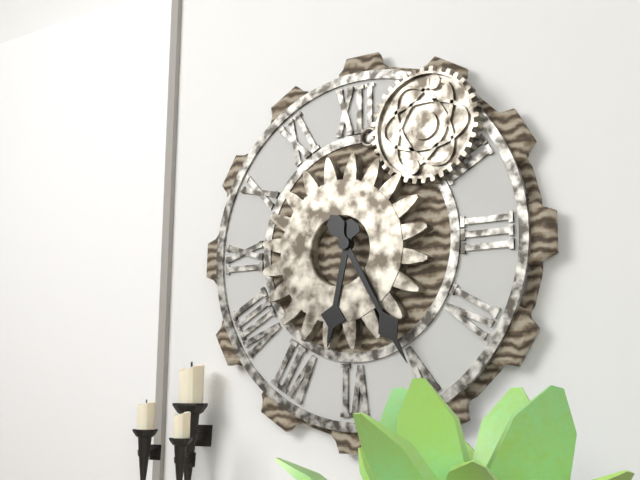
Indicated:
6.25
